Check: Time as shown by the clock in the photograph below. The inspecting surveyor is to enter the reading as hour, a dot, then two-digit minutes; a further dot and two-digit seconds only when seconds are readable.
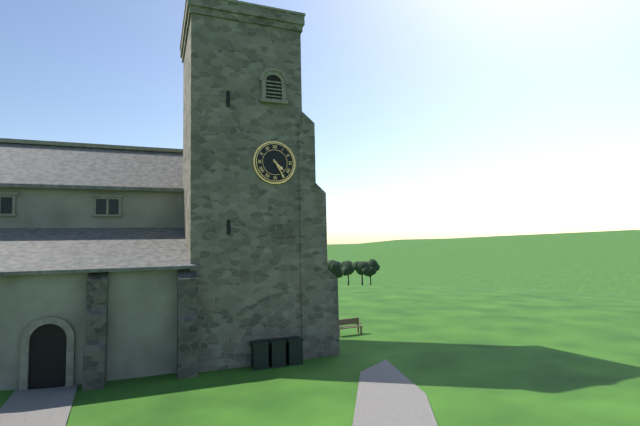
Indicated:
4.25
